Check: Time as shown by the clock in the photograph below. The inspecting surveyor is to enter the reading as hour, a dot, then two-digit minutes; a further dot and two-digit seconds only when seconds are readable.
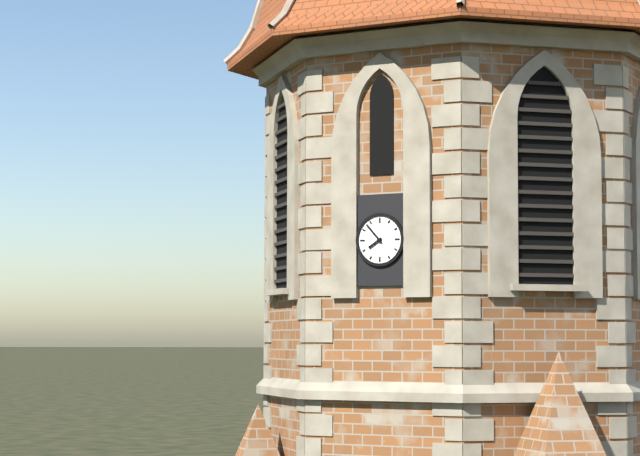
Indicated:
7.53
